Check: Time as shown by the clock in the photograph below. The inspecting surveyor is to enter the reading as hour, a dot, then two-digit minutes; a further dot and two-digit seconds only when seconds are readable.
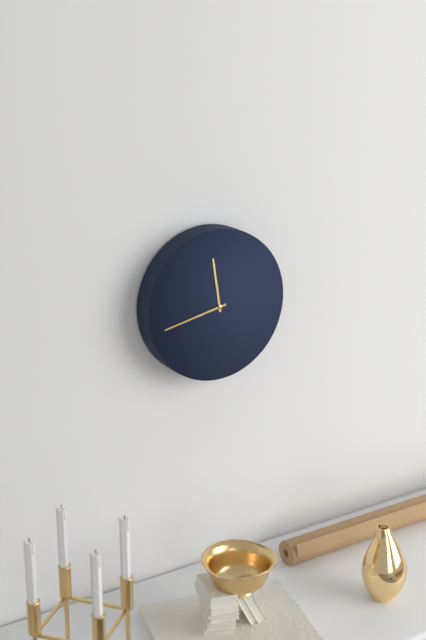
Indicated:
11.43
